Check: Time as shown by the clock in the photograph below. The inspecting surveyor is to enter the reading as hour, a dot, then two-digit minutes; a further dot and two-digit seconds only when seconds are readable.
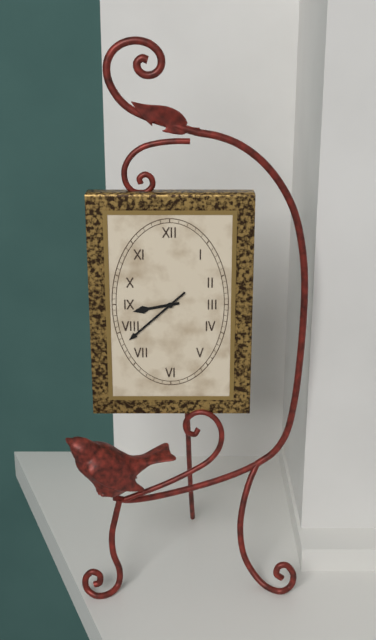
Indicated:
8.38
